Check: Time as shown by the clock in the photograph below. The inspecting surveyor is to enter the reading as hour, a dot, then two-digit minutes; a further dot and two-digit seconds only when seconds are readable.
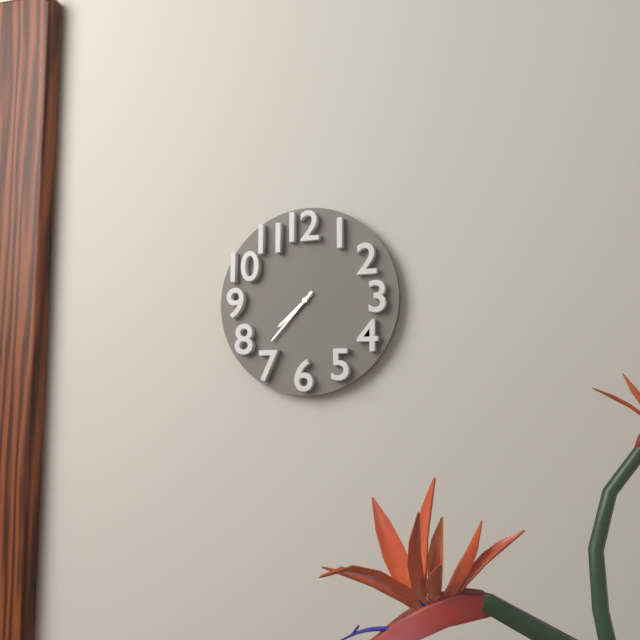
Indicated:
7.37
